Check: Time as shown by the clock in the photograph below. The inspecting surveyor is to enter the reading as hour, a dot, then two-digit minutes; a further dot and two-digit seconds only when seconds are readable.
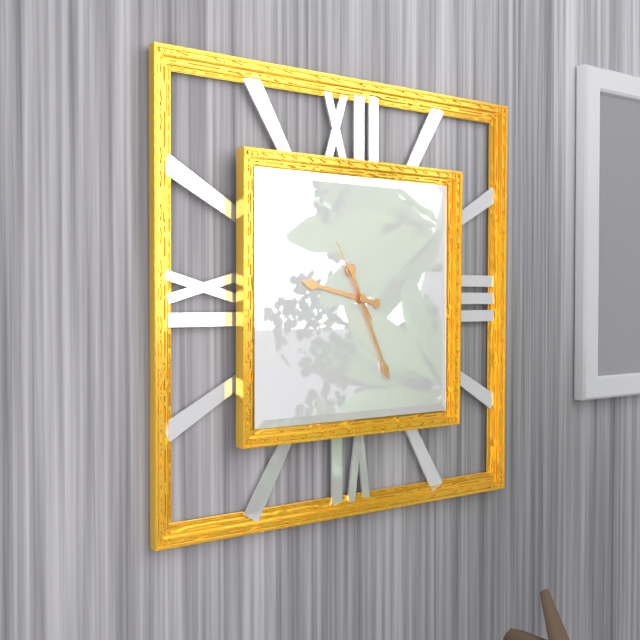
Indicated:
9.26.55
